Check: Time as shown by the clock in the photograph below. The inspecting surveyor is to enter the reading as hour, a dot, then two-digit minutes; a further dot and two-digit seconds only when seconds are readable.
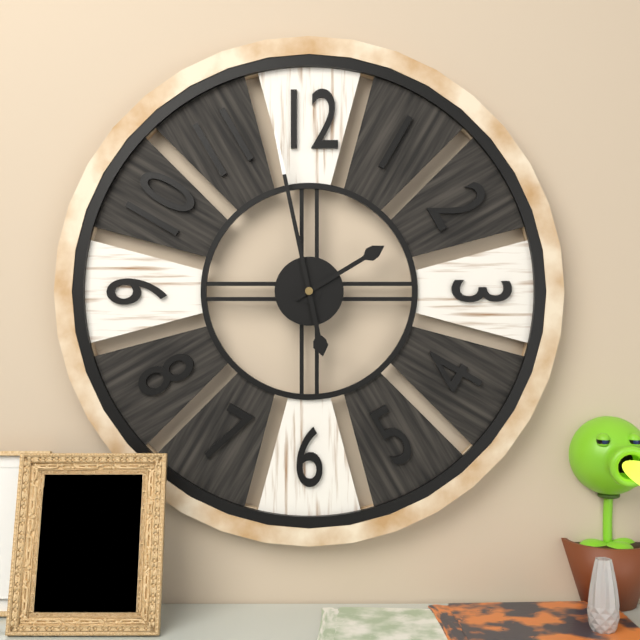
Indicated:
1.58
